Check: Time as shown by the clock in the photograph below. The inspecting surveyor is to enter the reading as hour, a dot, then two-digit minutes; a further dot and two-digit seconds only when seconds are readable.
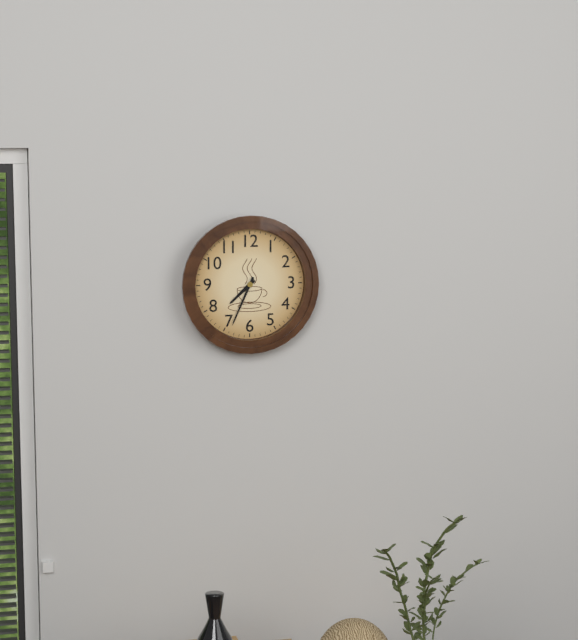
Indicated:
7.34
